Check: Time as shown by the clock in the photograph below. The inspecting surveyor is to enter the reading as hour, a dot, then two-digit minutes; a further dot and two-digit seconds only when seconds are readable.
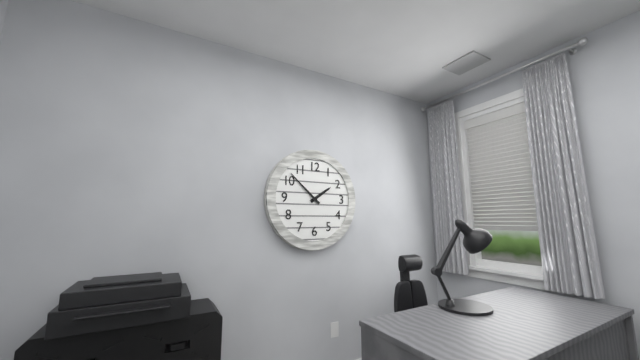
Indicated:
1.52
